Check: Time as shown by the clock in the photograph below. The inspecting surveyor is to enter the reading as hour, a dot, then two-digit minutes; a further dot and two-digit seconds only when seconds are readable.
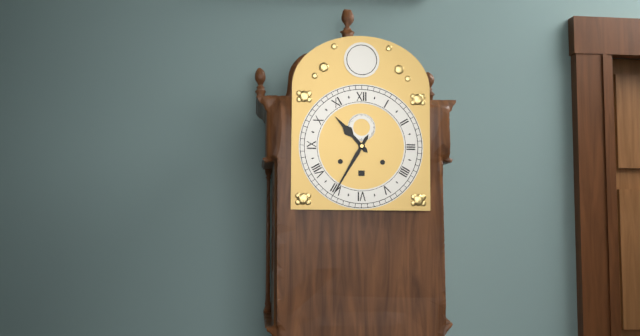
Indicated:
10.35
